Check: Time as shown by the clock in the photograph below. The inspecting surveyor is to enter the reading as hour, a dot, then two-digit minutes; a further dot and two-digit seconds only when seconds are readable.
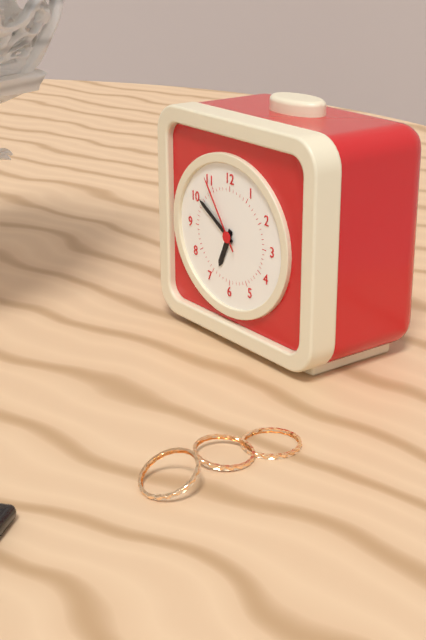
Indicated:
6.50.54
